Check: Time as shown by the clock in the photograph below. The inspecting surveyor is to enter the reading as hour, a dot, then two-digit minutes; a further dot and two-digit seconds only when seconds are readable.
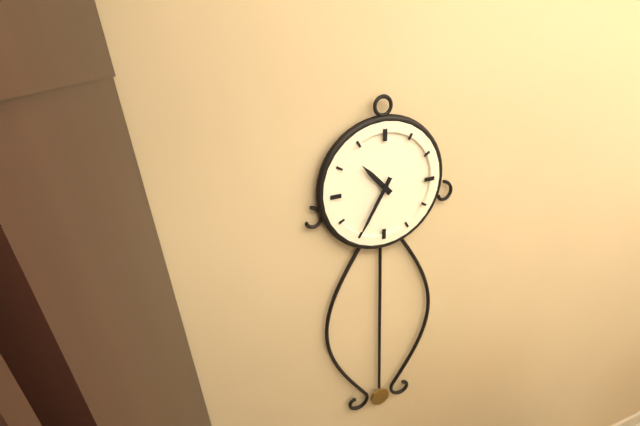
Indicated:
10.35
